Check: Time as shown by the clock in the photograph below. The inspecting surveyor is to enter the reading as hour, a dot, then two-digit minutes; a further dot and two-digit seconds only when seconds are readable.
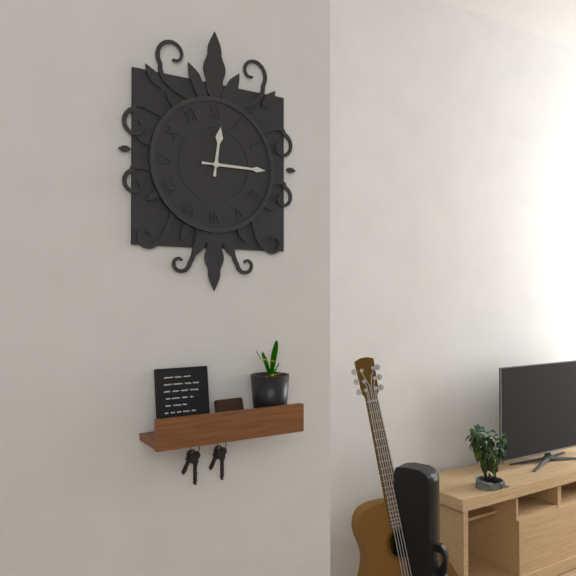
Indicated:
12.15
